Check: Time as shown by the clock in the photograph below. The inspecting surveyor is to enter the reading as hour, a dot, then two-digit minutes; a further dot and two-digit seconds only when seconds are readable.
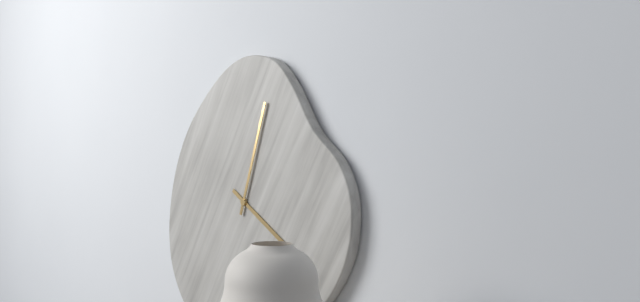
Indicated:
4.03
